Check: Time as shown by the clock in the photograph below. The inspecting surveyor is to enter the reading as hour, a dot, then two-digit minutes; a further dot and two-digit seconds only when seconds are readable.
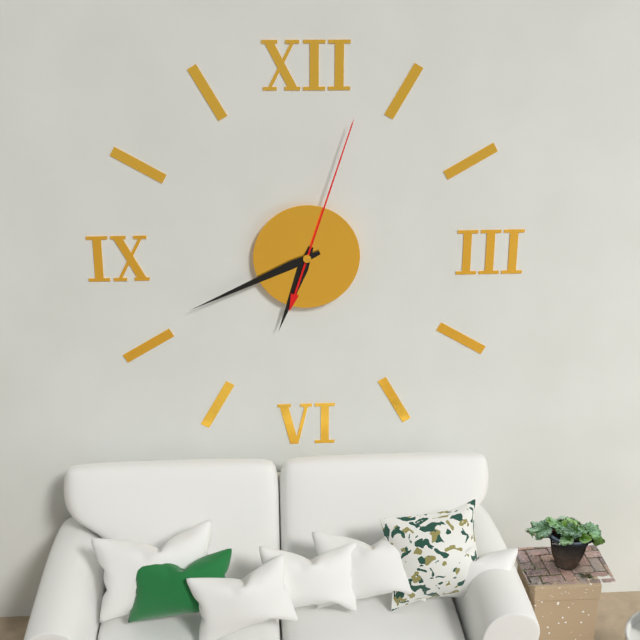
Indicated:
6.41.03
